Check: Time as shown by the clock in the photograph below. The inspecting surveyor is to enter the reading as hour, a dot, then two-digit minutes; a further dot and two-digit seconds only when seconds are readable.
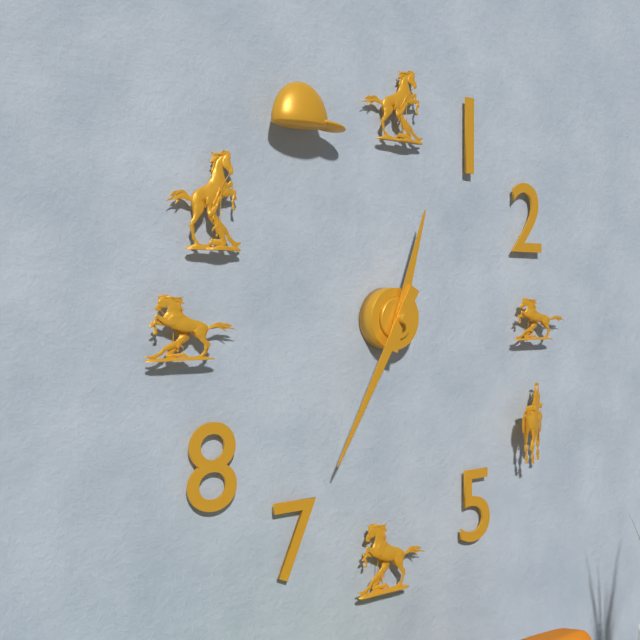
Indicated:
12.35
